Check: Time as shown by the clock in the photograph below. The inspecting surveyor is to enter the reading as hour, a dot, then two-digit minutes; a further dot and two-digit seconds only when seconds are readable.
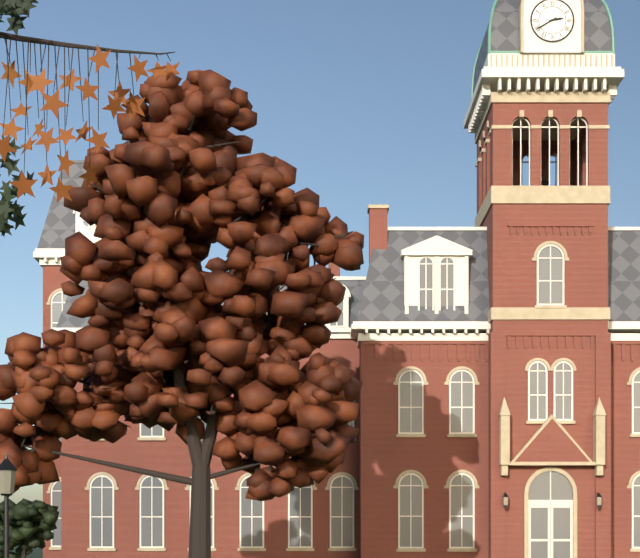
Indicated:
2.40
